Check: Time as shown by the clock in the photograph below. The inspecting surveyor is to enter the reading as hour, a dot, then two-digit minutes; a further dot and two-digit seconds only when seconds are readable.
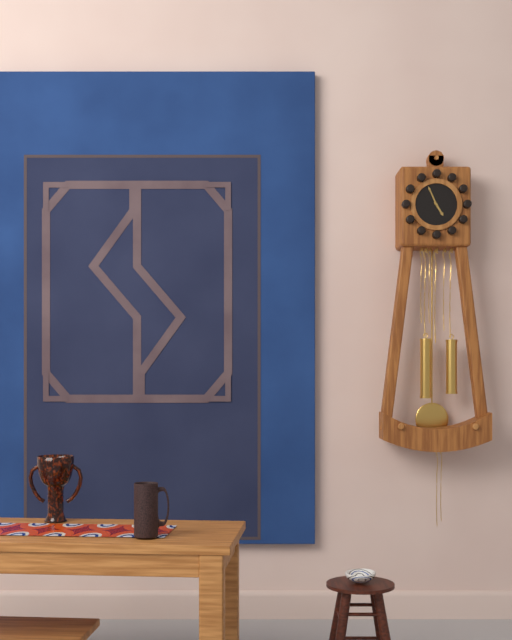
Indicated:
4.56
